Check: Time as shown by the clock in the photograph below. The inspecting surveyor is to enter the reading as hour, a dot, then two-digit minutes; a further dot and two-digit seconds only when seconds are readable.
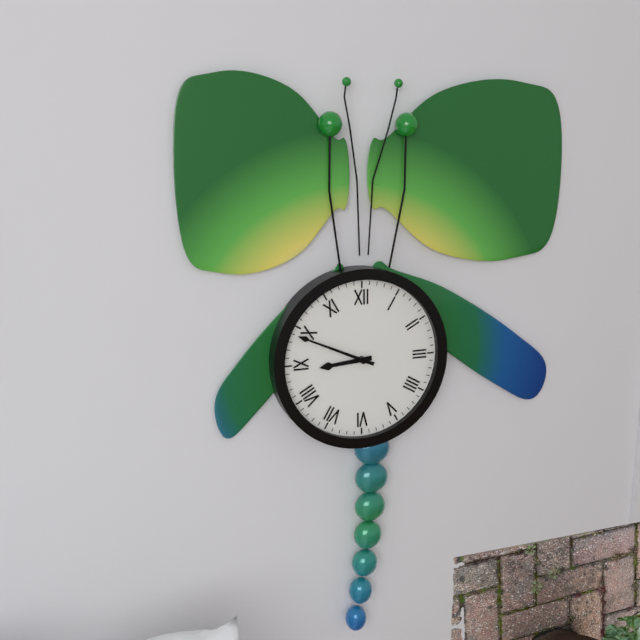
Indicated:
8.49
